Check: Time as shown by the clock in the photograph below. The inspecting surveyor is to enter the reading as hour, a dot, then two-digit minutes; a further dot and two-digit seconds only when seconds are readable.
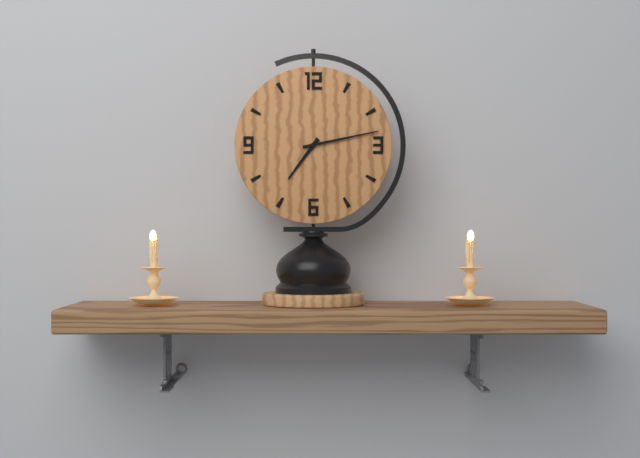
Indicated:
7.13
